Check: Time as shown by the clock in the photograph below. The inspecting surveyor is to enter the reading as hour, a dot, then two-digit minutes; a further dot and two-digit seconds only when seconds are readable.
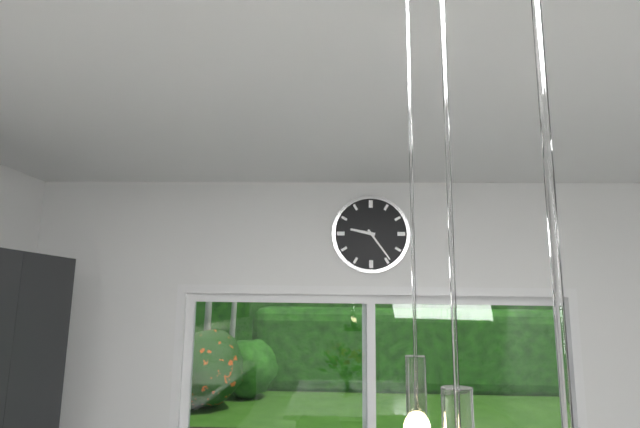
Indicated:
9.24
